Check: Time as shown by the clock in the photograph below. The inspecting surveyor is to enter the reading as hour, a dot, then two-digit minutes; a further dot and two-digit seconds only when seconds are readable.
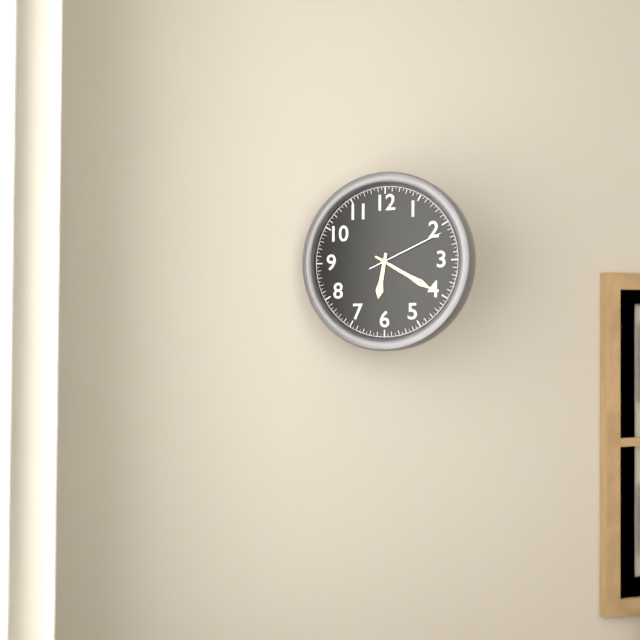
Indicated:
6.20.11
